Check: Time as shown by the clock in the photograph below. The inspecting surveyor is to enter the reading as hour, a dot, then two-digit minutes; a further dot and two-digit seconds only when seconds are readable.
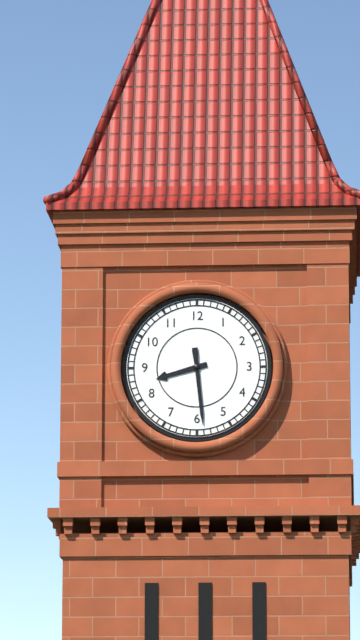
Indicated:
8.29
